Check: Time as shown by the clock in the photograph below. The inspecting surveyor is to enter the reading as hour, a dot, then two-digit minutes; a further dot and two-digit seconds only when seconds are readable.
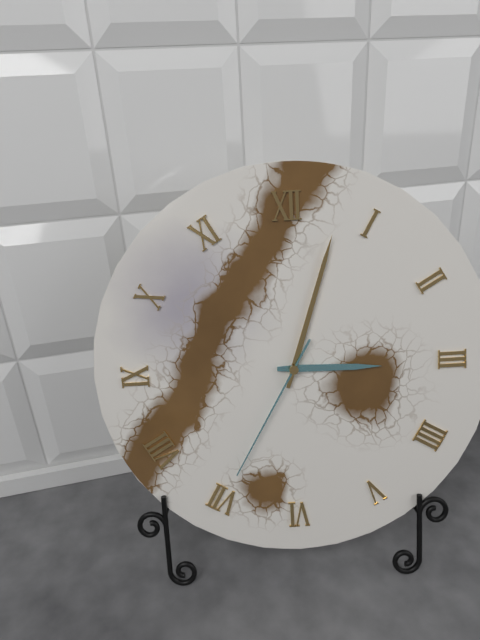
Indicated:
3.03.35
